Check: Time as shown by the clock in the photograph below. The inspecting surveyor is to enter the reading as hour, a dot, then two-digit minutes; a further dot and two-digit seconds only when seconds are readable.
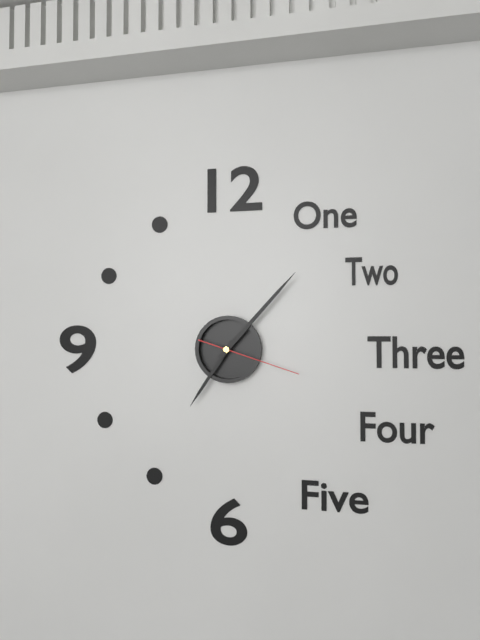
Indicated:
7.07.18
